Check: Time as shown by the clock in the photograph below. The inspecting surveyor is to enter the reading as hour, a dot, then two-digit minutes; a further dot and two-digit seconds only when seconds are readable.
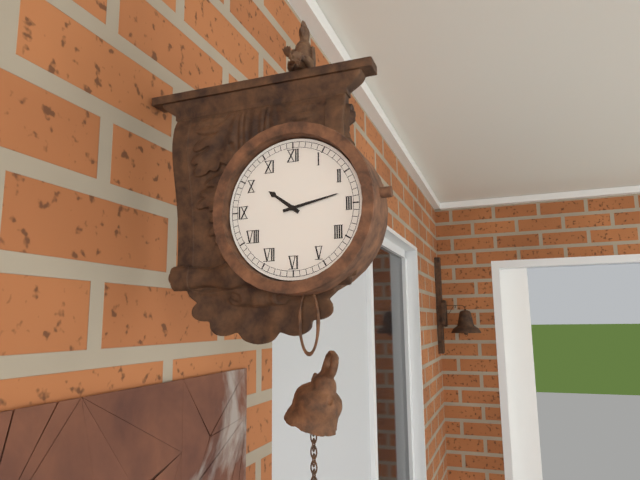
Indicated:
10.13
